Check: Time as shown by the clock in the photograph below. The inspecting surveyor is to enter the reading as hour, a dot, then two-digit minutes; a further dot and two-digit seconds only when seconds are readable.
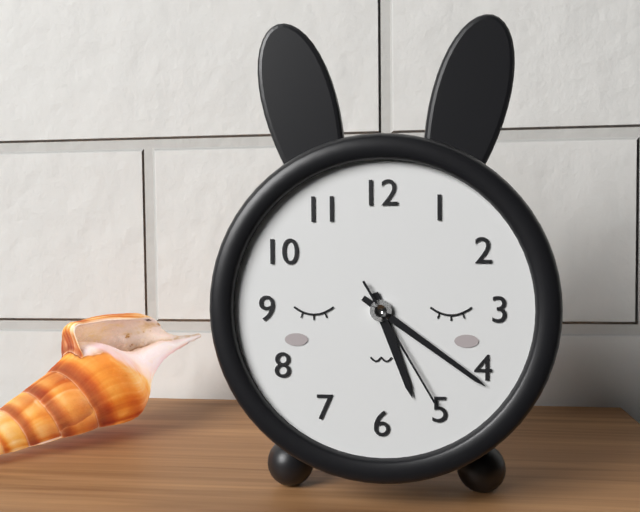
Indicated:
5.21.25
